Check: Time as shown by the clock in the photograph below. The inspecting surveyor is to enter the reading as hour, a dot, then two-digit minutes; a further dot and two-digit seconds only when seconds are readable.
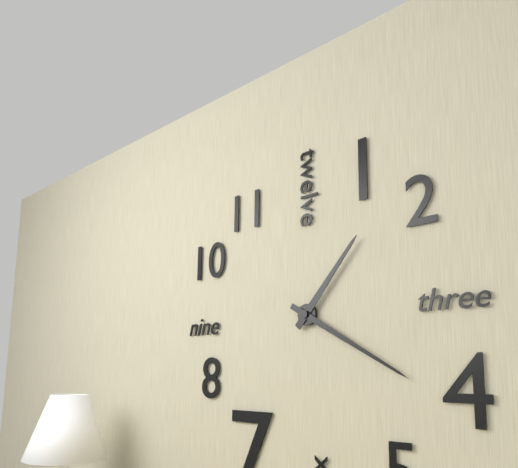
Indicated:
1.20
